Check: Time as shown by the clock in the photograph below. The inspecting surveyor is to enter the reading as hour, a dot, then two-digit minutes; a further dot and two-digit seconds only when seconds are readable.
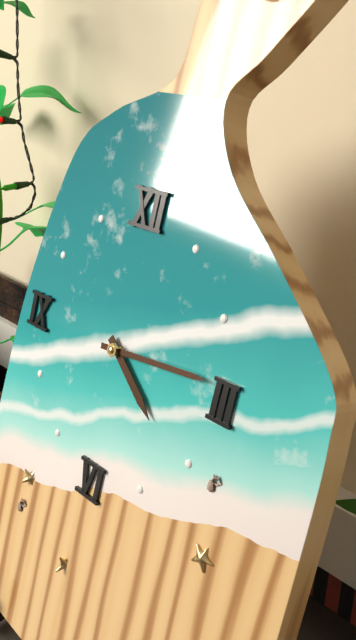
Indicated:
4.14
